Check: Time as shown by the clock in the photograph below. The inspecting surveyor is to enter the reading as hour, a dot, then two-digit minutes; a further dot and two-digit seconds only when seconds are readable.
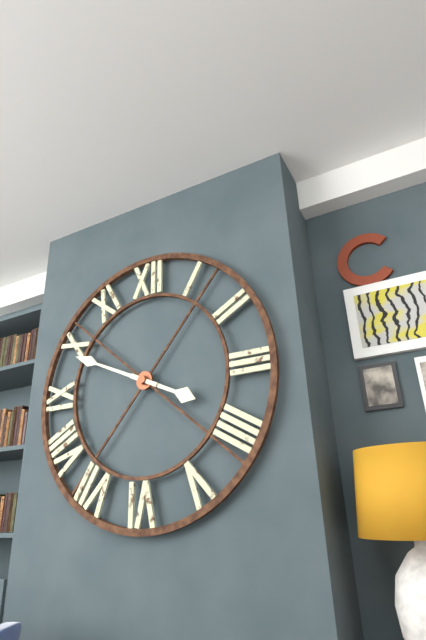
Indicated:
3.49
